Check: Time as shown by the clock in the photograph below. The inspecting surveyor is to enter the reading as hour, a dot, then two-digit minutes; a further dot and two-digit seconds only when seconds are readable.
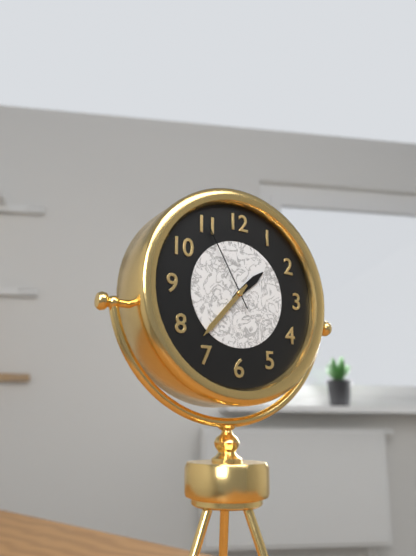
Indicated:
1.37.55
